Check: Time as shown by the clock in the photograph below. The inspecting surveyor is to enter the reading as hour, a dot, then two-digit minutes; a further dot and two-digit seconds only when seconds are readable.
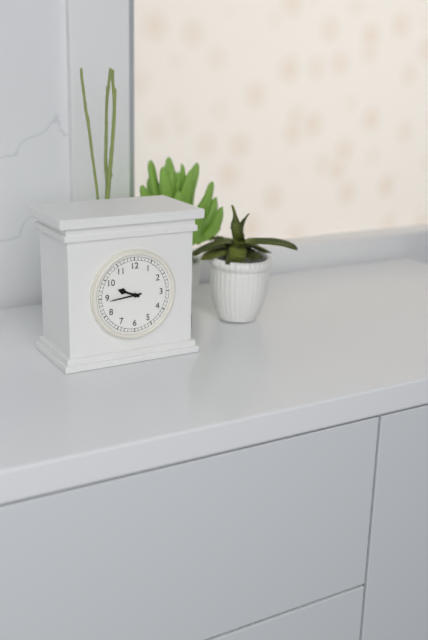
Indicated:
9.44
